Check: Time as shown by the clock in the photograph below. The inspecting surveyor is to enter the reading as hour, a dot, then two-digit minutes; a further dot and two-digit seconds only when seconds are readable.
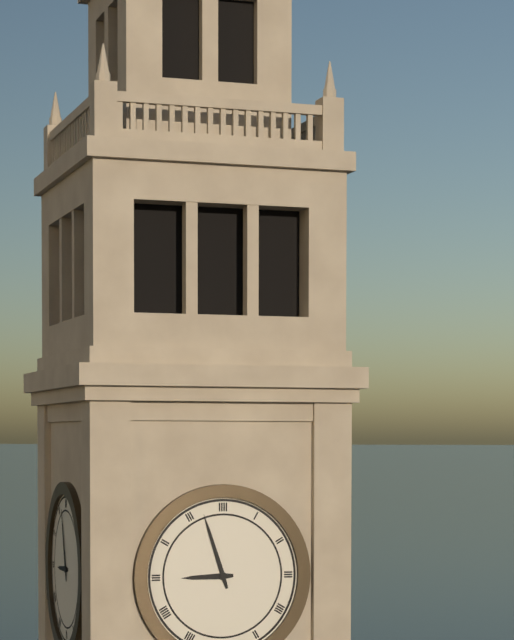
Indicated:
8.57
